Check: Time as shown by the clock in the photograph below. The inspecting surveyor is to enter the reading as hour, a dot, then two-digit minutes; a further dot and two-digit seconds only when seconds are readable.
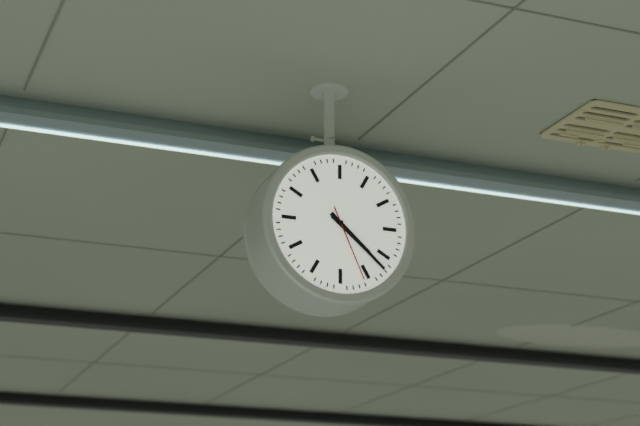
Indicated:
4.22.26
